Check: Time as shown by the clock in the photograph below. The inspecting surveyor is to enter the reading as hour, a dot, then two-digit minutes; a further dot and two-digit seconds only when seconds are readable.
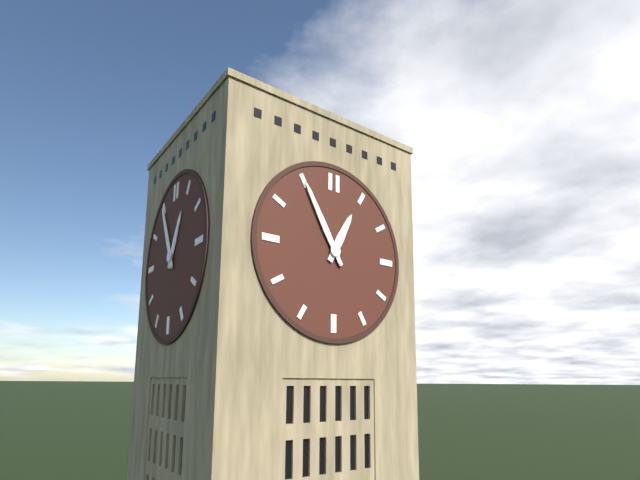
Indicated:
12.55
